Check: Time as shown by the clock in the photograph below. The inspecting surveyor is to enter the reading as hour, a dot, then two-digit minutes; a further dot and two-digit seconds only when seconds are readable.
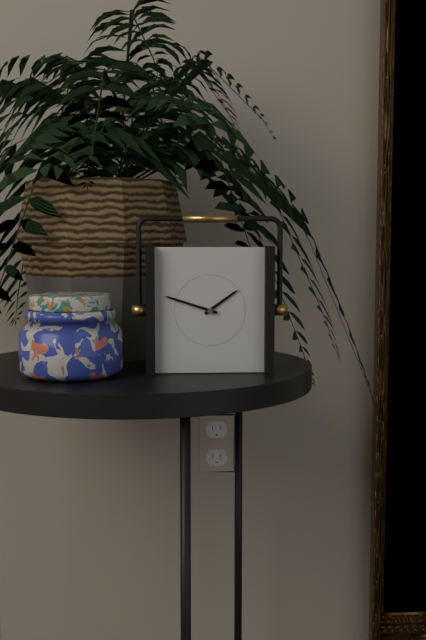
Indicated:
1.48
